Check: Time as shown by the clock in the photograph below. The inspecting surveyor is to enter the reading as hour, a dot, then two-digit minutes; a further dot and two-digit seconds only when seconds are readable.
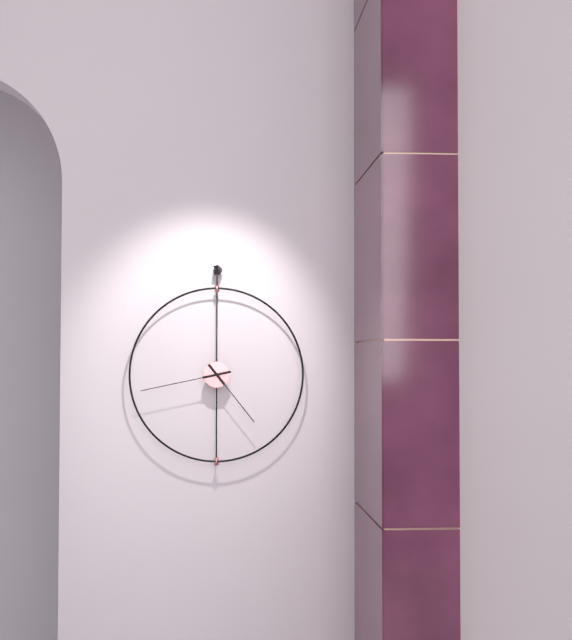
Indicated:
4.43
